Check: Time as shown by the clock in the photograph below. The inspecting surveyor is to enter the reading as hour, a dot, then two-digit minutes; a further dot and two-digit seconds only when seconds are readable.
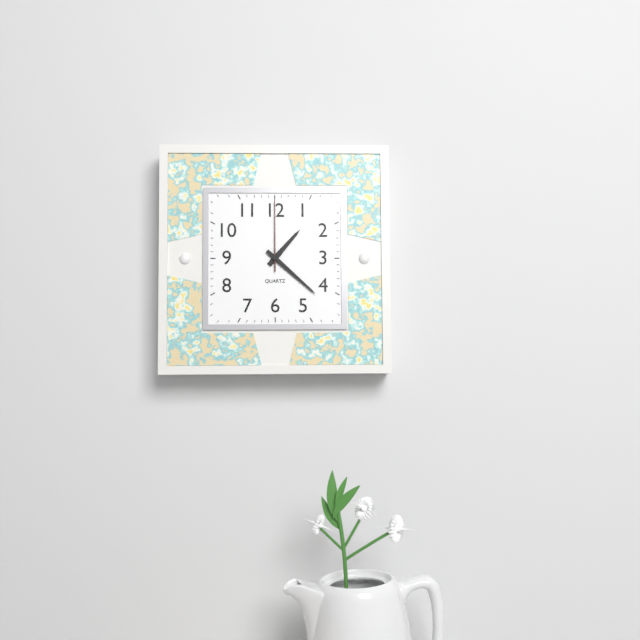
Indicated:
1.22.00
